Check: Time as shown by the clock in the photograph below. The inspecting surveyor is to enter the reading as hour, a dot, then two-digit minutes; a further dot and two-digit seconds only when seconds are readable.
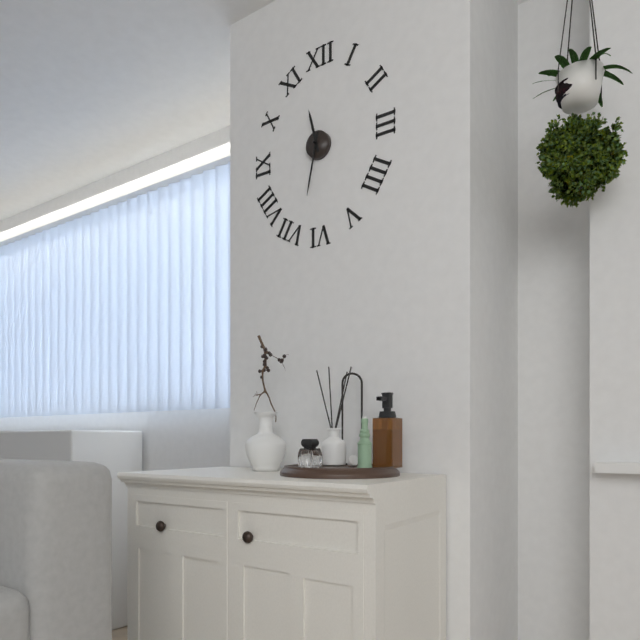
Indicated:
11.32
